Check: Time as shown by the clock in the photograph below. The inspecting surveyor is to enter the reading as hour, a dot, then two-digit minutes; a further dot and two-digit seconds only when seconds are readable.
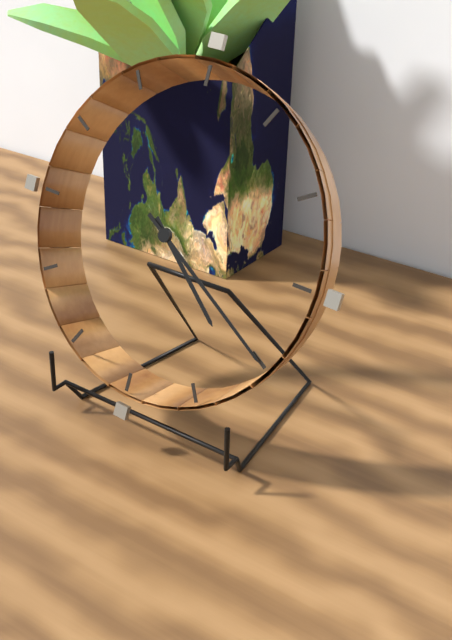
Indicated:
4.20
